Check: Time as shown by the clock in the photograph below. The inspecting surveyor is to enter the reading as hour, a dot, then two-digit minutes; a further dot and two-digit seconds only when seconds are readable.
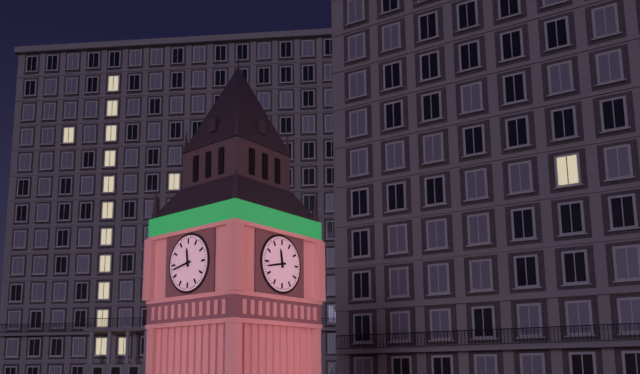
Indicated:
11.43
